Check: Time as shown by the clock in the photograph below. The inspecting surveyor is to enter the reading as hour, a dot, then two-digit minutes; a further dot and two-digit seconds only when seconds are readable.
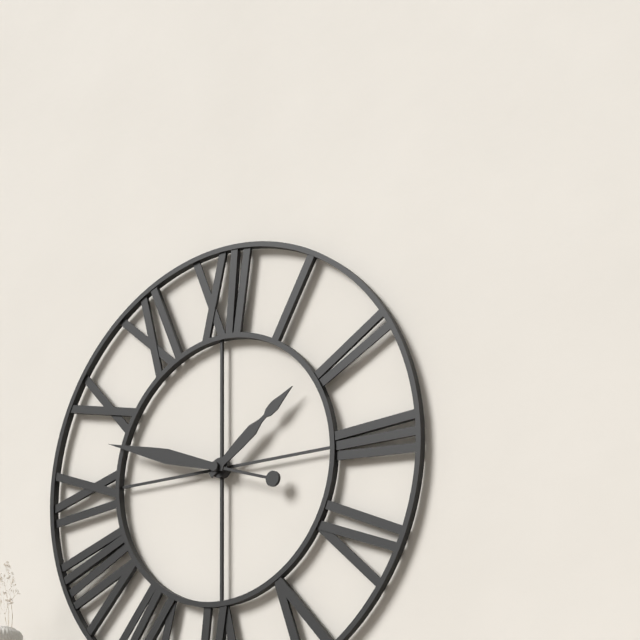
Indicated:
1.48
